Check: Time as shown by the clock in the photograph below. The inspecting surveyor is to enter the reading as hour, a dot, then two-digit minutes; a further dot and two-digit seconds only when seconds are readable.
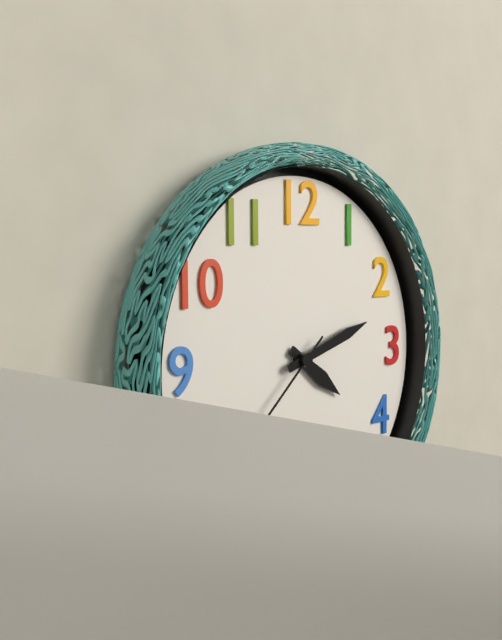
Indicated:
4.12
